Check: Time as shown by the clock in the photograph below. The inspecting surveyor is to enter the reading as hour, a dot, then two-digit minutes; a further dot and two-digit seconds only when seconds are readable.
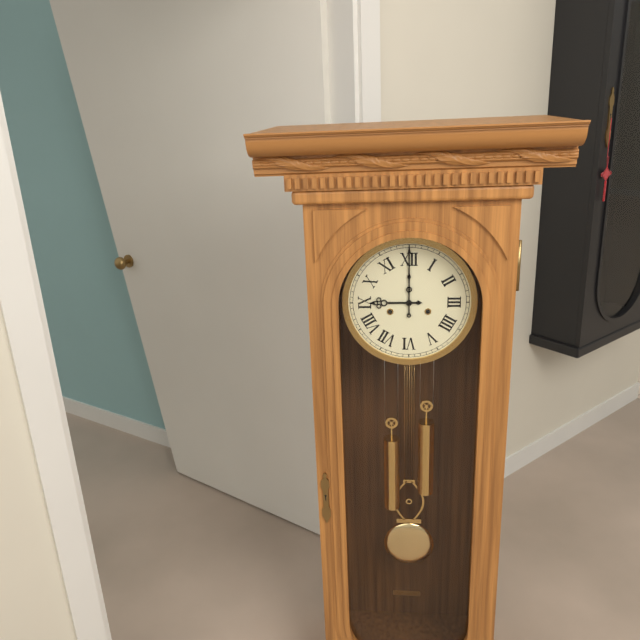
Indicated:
9.00
